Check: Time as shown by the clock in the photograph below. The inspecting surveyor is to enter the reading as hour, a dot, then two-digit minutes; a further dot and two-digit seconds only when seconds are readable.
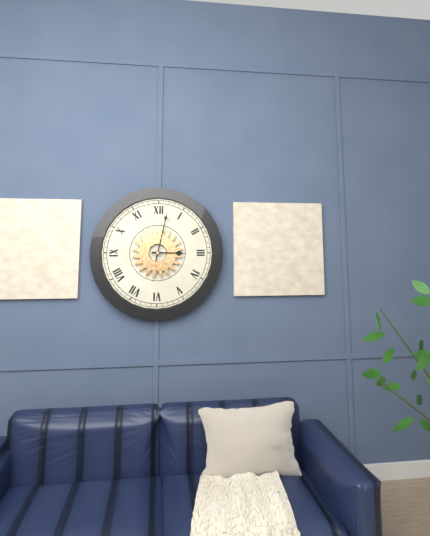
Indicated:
3.02
